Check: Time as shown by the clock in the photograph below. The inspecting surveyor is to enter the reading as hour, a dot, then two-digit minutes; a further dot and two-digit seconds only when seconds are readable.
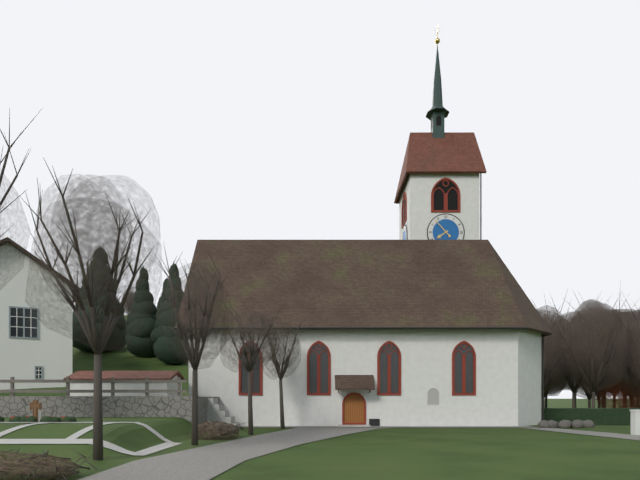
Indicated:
7.53
